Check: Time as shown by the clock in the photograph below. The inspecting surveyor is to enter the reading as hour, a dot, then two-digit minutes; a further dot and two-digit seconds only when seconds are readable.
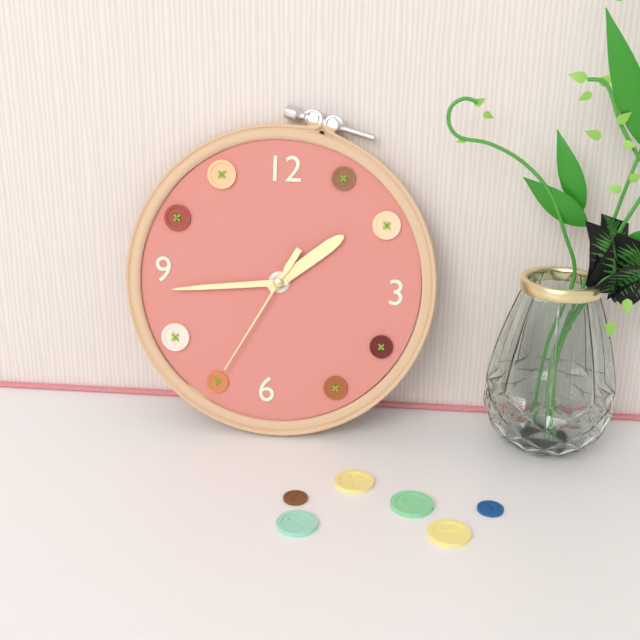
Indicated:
1.44.35
